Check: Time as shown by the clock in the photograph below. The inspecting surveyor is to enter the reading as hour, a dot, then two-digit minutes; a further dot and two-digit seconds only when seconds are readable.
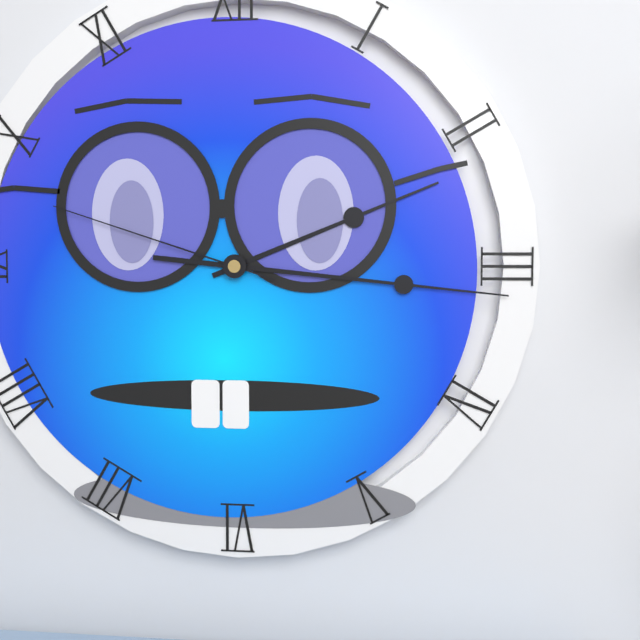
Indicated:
2.16.48
